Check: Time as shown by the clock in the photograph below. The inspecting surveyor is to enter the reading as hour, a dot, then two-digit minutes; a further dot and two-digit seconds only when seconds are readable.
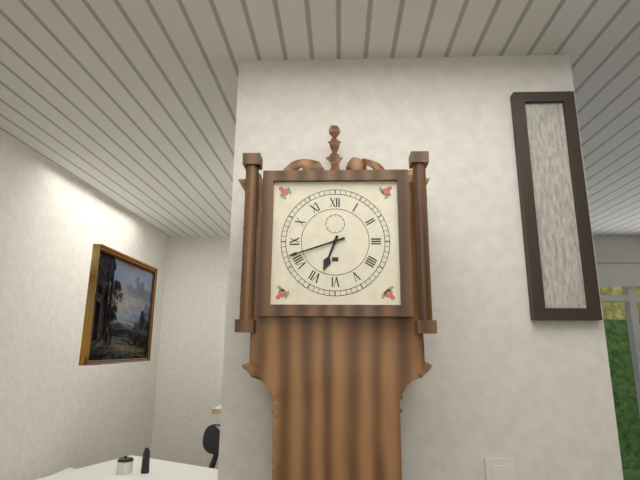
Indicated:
6.42
